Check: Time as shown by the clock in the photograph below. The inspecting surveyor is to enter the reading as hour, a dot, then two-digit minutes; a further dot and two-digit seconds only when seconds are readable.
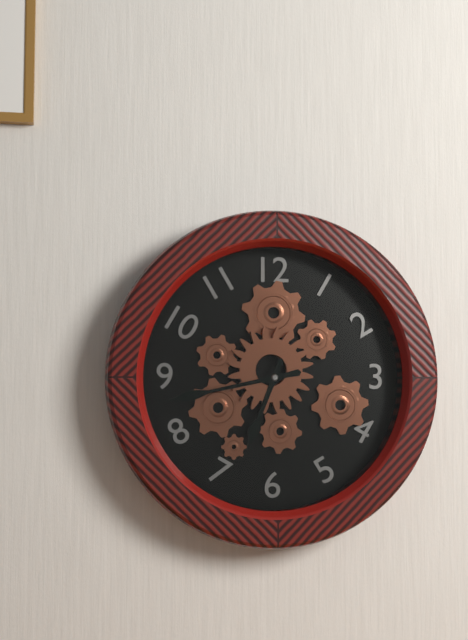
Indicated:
6.43
